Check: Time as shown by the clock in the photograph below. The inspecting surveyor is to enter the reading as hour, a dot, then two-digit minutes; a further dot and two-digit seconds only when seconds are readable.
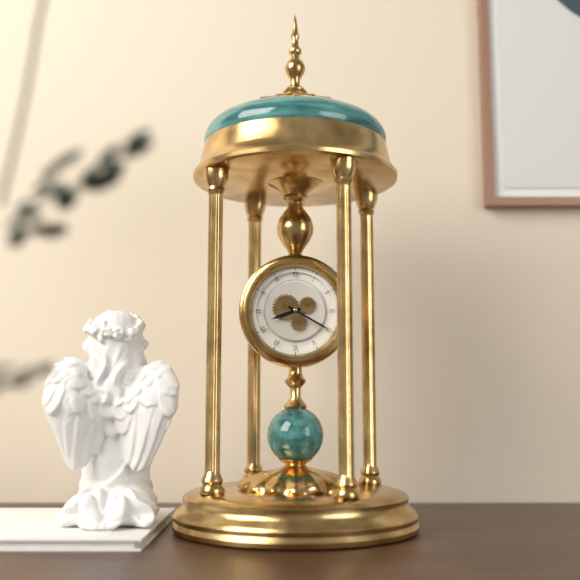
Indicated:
8.20
